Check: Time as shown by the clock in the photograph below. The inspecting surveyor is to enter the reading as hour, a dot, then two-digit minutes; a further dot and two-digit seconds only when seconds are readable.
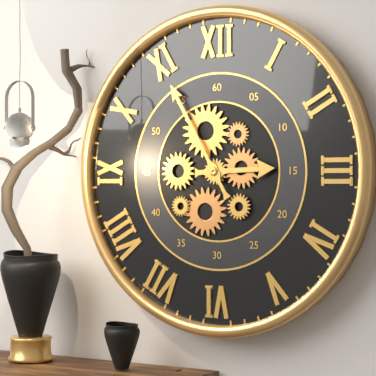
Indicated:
2.55
